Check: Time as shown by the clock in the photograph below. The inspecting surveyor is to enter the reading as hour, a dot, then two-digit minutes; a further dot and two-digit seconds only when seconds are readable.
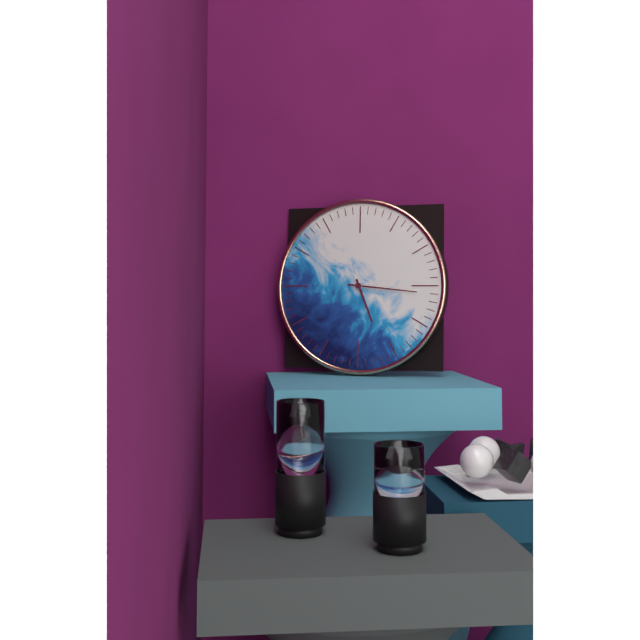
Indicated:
5.16
